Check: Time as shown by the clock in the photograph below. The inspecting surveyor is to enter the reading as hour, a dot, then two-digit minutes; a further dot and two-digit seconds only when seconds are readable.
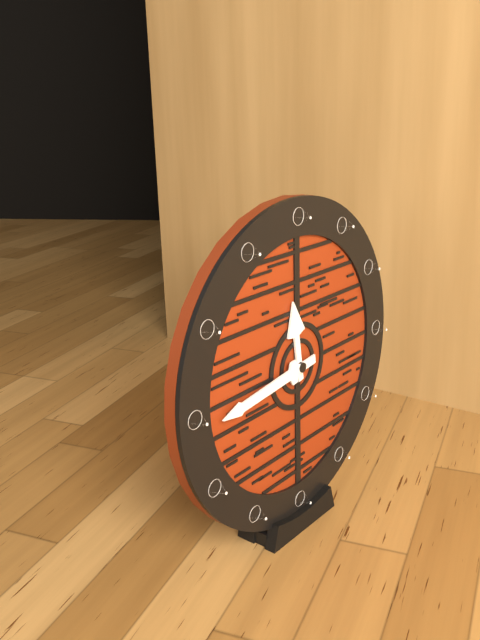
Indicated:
11.44
